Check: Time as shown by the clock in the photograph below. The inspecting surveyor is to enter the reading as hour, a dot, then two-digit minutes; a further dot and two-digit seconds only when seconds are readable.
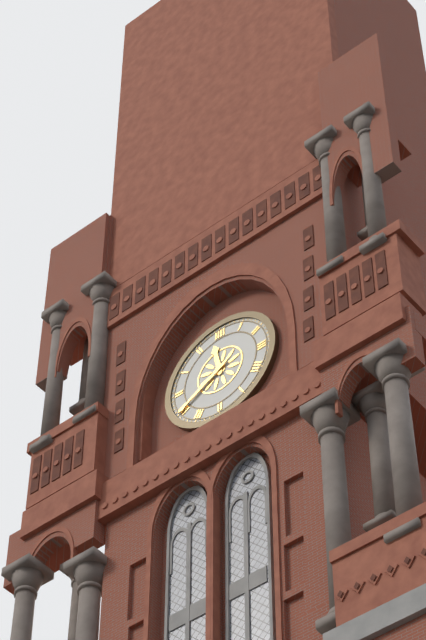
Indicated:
11.40
